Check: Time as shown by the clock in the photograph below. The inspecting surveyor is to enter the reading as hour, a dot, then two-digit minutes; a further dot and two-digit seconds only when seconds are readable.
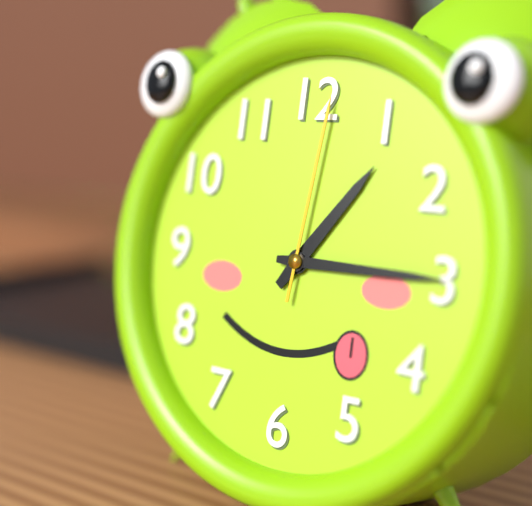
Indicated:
1.15.01
